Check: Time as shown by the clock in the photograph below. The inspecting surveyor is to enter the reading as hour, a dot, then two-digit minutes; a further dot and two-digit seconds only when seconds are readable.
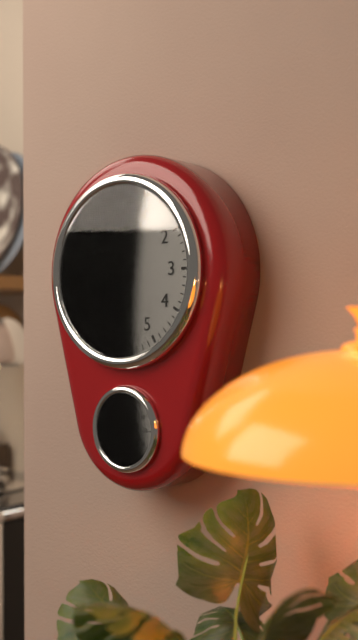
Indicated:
9.41.54
